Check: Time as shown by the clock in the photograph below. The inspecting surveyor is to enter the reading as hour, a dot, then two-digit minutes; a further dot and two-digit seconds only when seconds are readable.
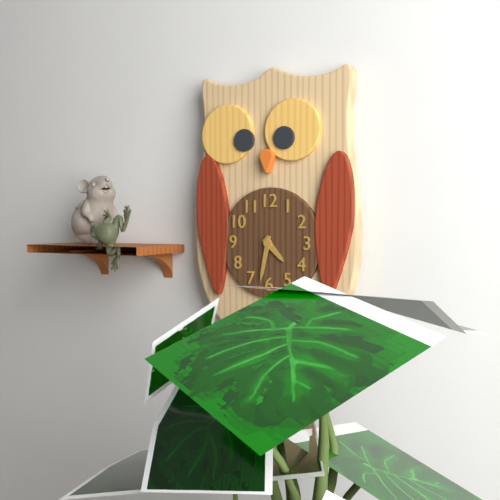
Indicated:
4.32
